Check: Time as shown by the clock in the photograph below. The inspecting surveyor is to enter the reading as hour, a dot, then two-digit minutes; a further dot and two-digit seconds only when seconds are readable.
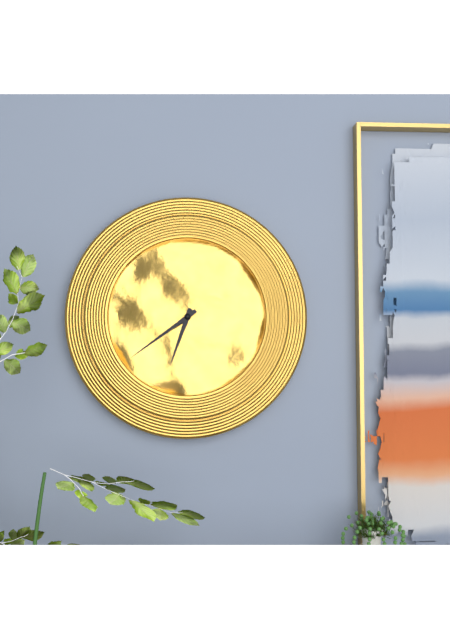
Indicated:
6.39
